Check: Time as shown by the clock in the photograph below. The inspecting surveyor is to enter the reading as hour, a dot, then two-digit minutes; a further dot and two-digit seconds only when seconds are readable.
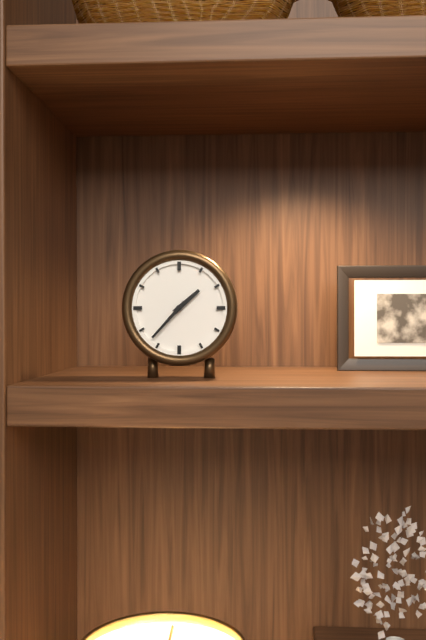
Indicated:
1.37
